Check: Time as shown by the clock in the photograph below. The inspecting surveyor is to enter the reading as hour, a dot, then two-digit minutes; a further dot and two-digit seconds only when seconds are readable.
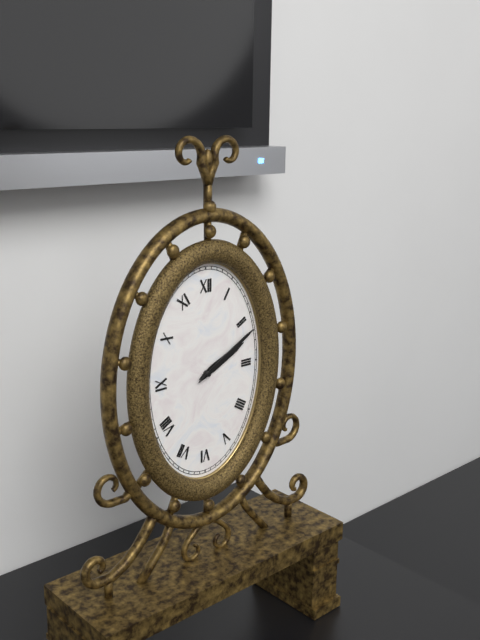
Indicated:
2.10
